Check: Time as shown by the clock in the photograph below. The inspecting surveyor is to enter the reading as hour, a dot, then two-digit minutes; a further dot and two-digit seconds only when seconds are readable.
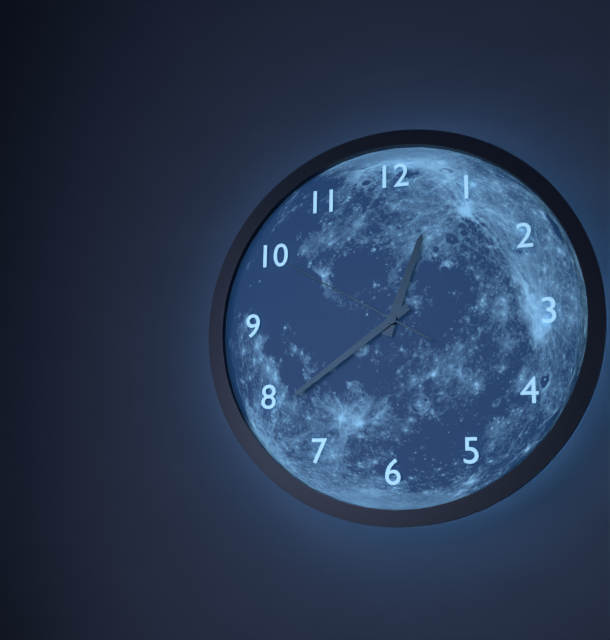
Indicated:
12.39.50
